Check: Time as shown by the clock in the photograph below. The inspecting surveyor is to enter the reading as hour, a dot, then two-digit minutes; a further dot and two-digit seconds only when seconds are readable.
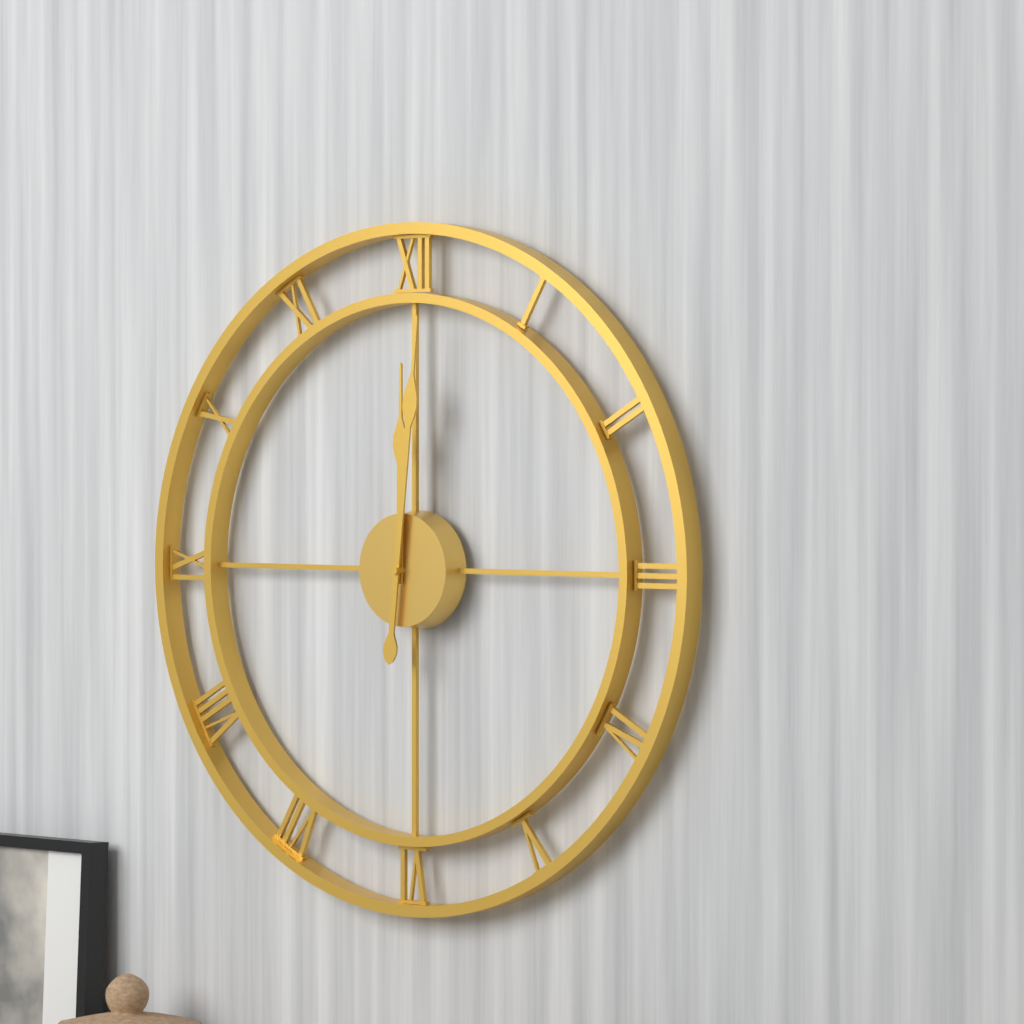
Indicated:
12.01
